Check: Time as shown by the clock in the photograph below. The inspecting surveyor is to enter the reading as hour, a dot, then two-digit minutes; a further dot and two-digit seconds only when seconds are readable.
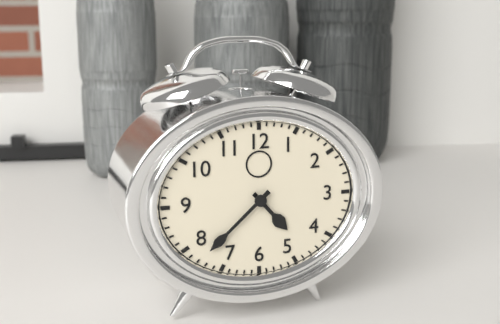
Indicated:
4.38
